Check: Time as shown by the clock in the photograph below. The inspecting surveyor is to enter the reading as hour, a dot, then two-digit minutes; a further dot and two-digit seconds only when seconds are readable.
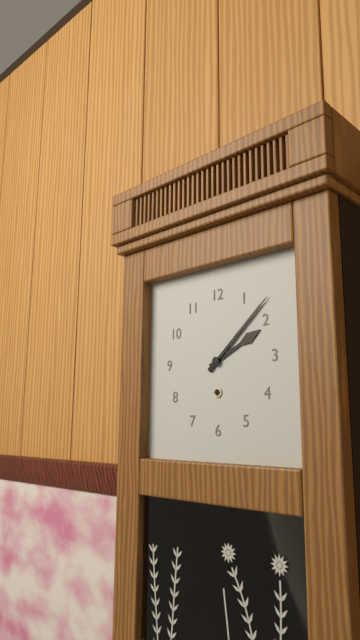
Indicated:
2.08
